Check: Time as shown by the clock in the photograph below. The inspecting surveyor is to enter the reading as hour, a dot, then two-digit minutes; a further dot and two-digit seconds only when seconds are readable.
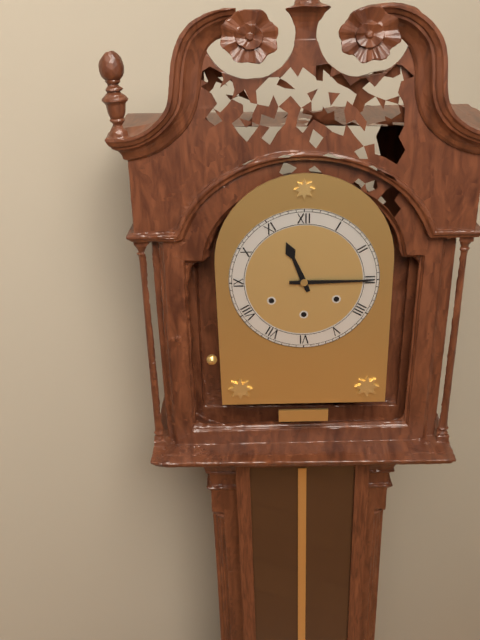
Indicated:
11.15
